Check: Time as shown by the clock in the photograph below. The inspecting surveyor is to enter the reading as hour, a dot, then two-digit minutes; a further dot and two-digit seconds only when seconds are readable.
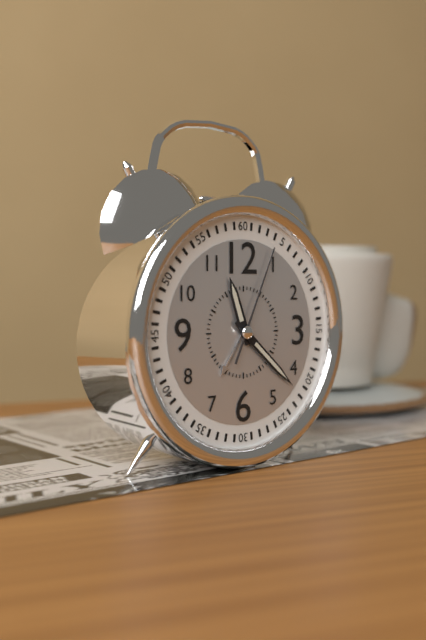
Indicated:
11.22.04
